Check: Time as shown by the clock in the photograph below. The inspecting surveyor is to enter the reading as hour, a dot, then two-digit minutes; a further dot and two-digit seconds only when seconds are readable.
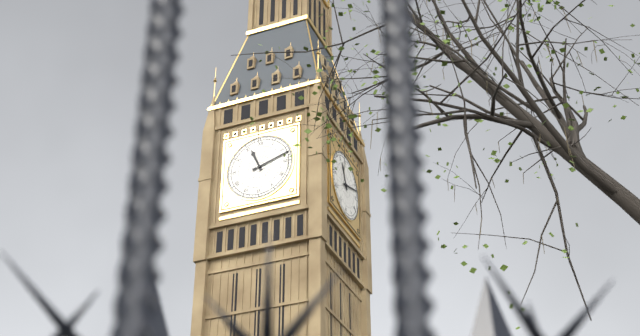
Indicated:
11.12
